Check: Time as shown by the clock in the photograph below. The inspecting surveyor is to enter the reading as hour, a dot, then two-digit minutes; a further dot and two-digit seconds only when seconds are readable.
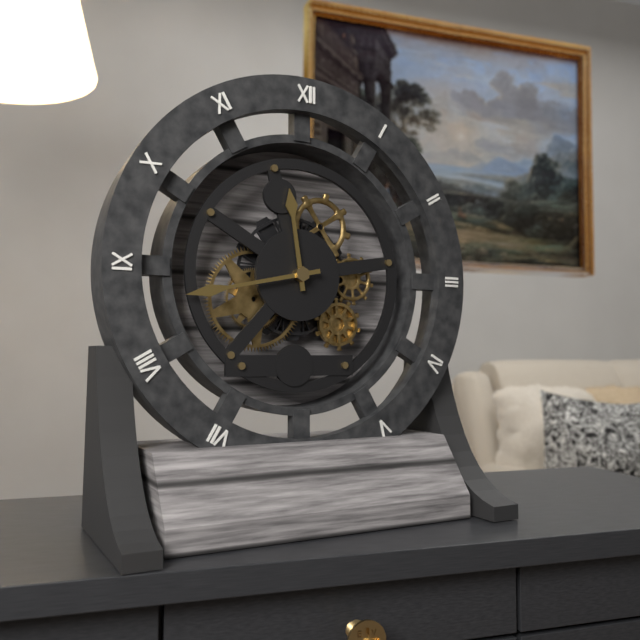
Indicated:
11.43
